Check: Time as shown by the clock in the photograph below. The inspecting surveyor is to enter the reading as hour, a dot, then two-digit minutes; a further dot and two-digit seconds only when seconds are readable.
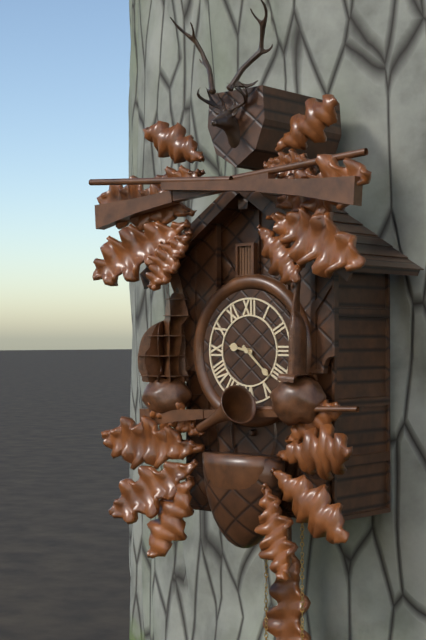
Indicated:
9.22
